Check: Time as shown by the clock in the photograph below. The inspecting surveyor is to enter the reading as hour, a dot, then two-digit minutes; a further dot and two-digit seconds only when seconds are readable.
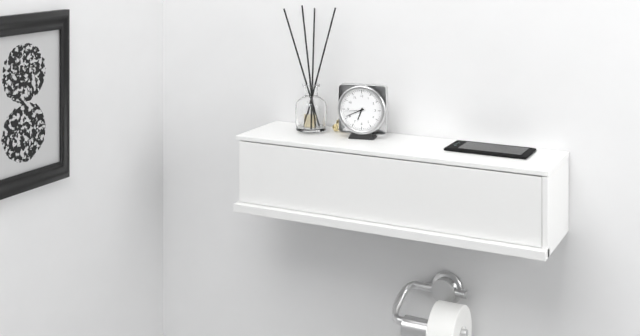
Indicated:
6.41
